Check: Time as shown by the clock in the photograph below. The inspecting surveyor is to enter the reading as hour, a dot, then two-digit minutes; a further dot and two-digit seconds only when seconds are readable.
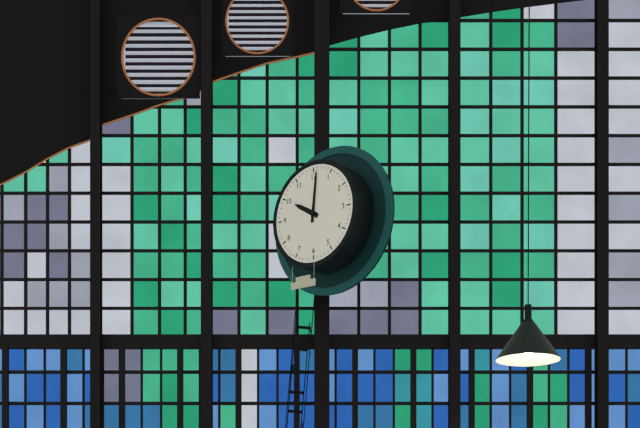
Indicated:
10.01
